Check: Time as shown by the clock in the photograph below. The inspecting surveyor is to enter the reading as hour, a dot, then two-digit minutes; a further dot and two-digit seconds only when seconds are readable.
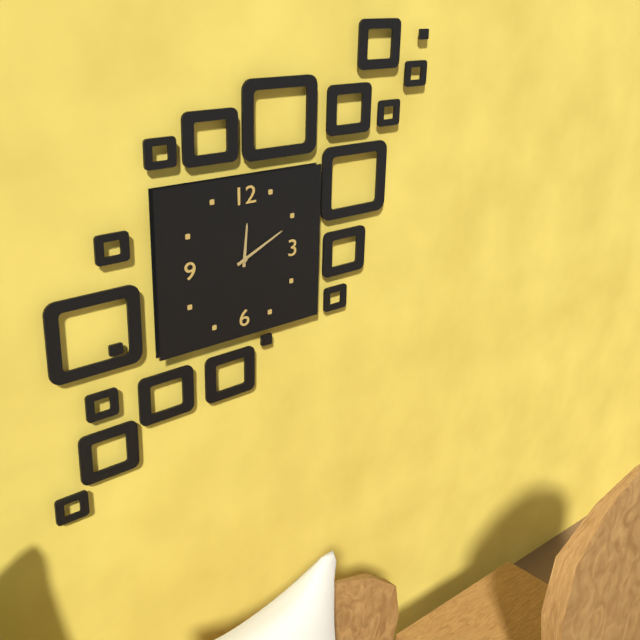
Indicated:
12.11
